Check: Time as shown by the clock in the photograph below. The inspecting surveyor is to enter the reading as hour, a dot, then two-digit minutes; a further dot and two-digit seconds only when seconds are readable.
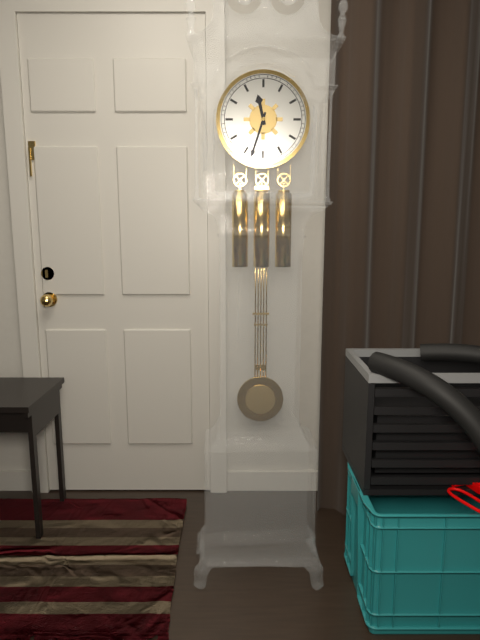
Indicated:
11.33
